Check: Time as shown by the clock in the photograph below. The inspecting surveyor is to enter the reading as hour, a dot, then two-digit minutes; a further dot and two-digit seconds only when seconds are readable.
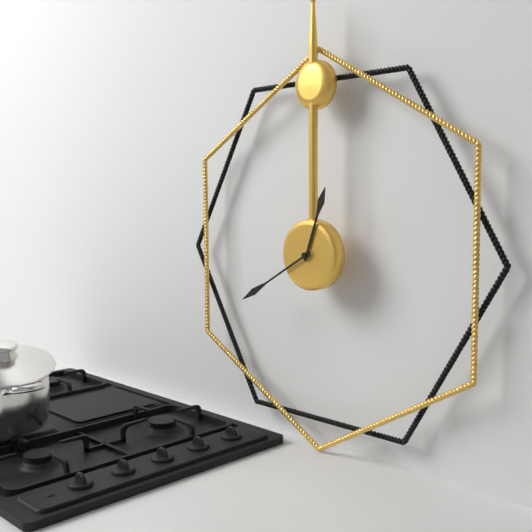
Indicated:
12.40
